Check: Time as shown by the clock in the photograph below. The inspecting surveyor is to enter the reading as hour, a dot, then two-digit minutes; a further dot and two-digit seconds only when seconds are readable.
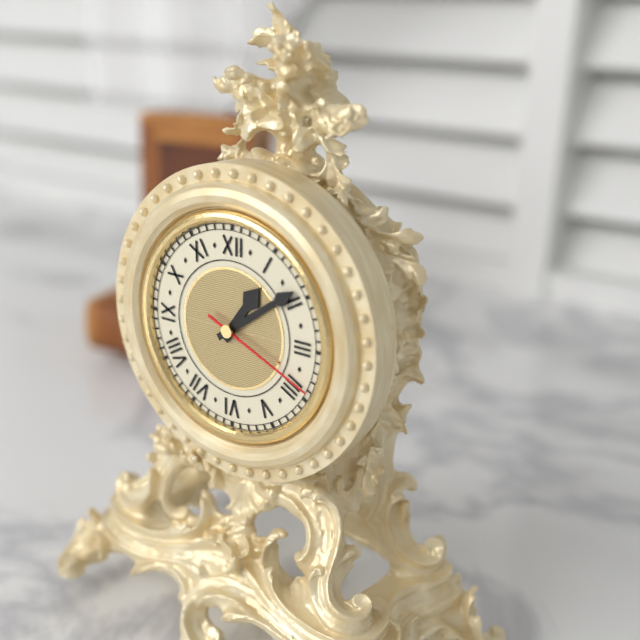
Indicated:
1.09.19
